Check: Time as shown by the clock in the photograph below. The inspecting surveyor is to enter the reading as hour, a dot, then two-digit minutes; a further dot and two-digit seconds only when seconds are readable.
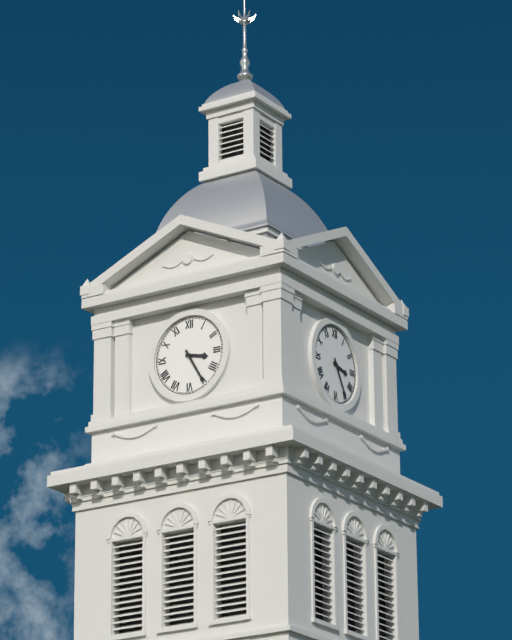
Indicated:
3.25
